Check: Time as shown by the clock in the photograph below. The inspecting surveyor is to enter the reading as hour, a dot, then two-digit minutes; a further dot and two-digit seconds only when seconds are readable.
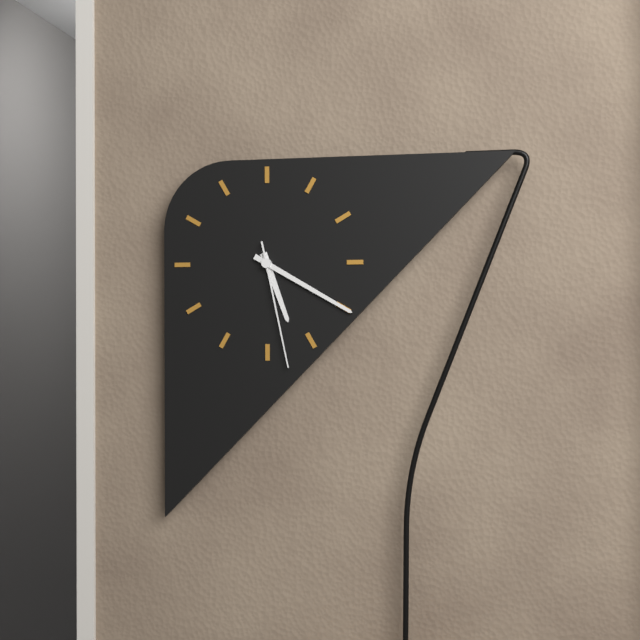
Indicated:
5.20.28
